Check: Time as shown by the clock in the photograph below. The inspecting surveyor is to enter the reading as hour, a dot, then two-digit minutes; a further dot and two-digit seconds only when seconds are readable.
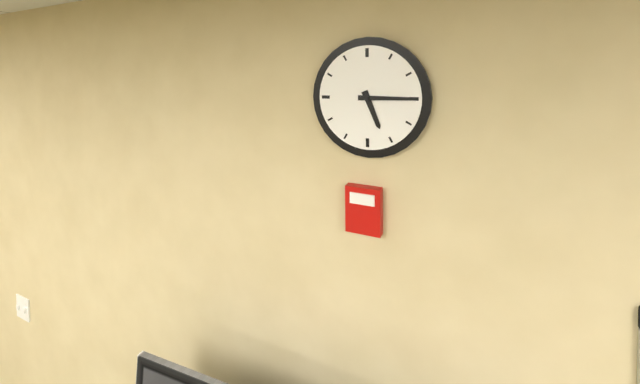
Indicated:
5.15
